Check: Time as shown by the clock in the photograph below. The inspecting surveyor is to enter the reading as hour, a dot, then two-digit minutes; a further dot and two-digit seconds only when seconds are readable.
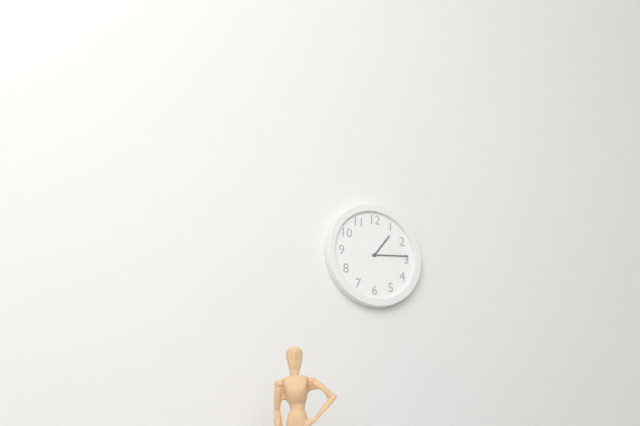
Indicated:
1.14
